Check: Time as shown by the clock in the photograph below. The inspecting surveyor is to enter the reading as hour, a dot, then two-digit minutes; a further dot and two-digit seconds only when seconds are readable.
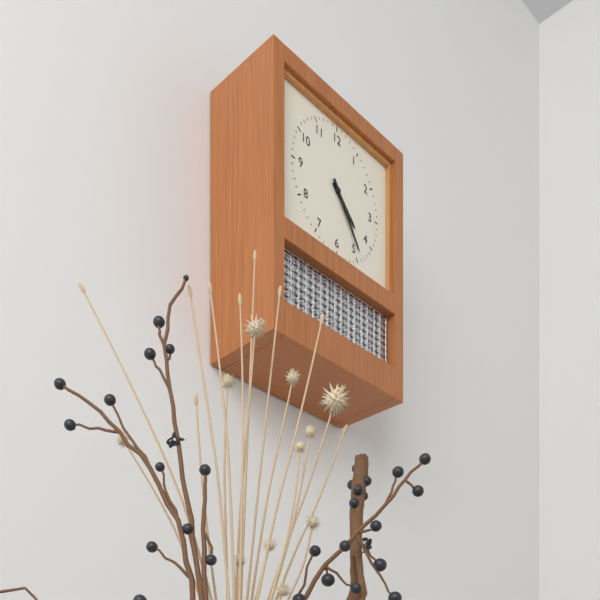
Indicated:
4.24
